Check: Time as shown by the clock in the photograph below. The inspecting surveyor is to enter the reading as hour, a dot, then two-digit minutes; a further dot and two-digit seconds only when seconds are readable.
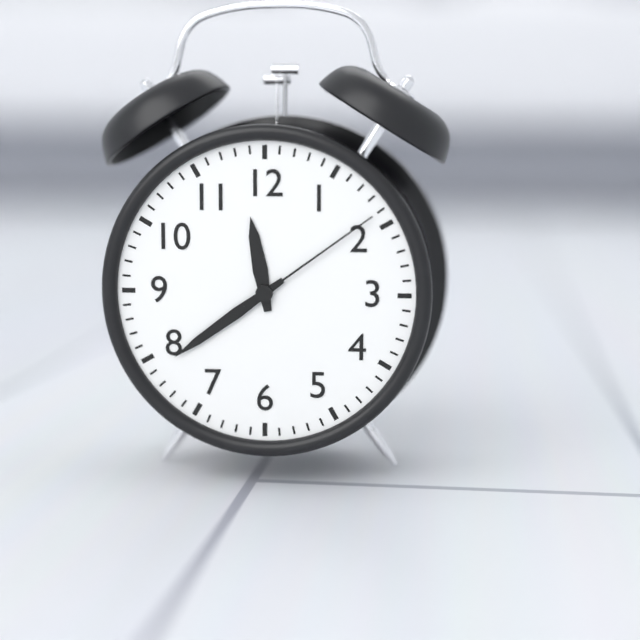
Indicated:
11.39.09
